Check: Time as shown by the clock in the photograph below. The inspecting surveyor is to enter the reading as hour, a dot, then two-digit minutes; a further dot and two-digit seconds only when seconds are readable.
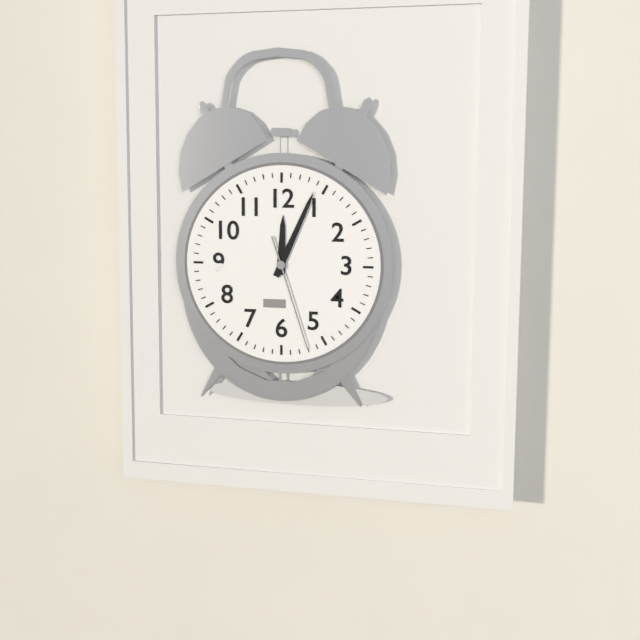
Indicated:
12.04.27
